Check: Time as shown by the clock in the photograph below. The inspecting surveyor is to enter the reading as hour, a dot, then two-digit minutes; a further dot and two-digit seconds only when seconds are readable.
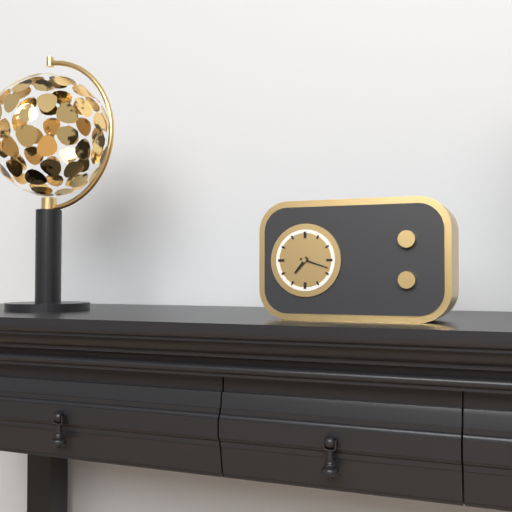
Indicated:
7.18
